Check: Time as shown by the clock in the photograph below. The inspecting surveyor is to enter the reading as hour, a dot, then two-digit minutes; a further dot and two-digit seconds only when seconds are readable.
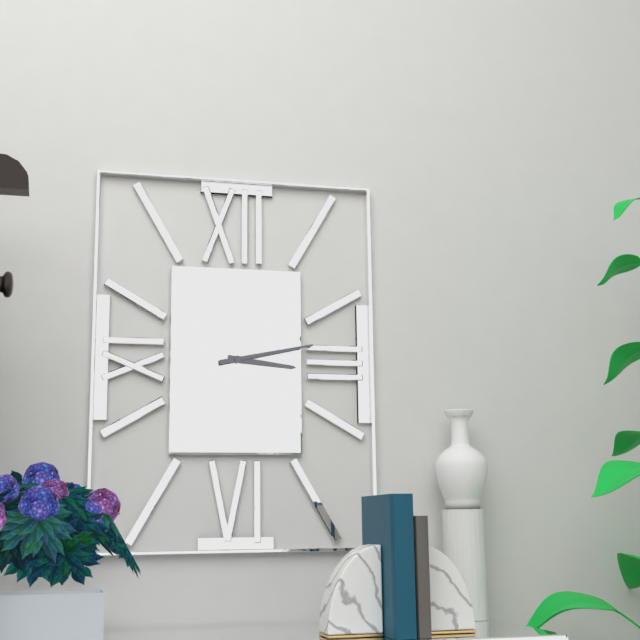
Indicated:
3.13
